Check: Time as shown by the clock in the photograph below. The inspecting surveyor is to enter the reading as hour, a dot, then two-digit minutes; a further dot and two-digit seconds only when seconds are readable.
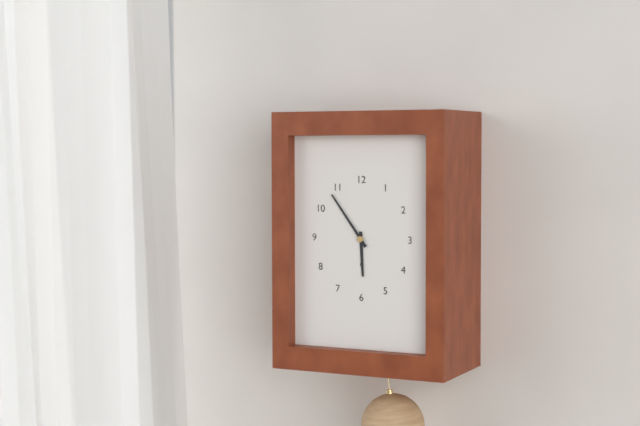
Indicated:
5.54
